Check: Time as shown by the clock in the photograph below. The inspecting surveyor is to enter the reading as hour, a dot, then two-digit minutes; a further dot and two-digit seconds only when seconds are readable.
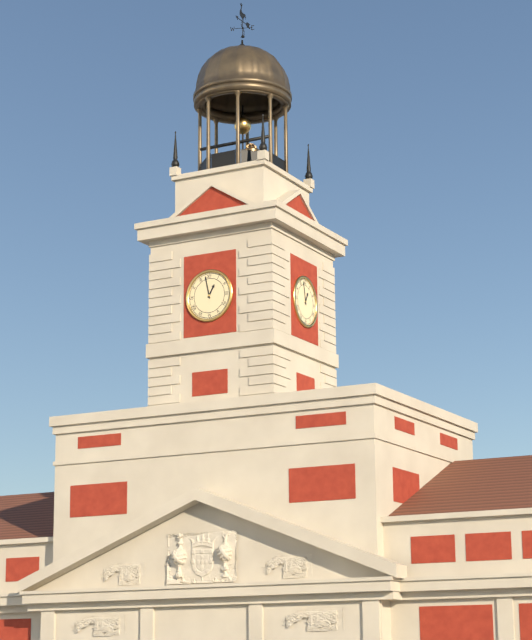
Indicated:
12.58
